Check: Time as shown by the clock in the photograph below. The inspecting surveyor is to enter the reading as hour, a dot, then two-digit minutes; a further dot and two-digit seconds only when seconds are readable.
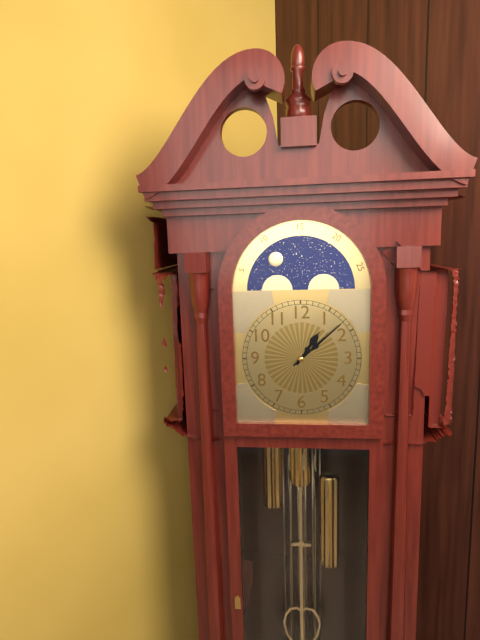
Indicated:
1.08
